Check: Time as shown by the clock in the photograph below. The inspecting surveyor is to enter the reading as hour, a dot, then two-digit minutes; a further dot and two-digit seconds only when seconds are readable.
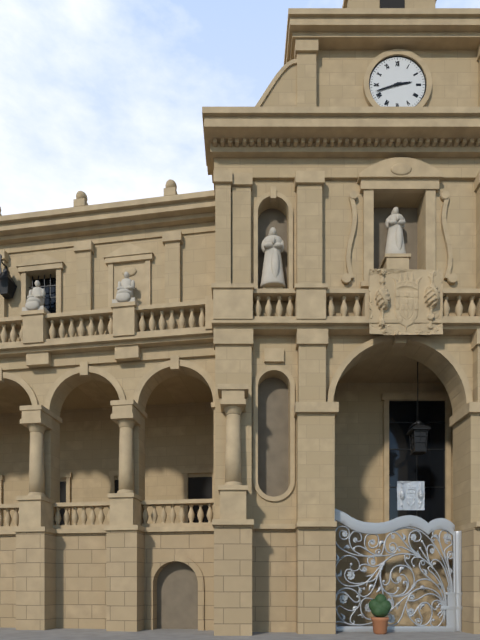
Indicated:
2.42
